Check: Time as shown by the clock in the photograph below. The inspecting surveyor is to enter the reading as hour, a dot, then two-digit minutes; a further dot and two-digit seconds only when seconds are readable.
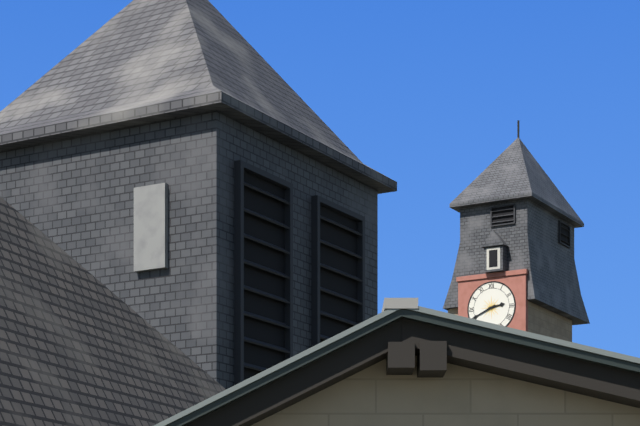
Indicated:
2.41
